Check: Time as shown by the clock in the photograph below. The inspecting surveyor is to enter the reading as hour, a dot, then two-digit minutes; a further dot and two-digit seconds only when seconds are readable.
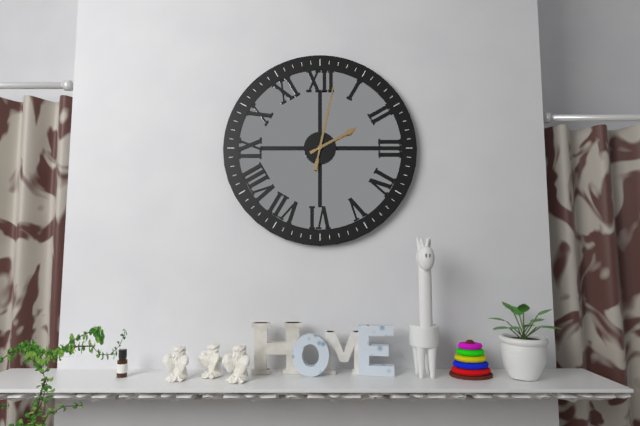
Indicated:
2.02
